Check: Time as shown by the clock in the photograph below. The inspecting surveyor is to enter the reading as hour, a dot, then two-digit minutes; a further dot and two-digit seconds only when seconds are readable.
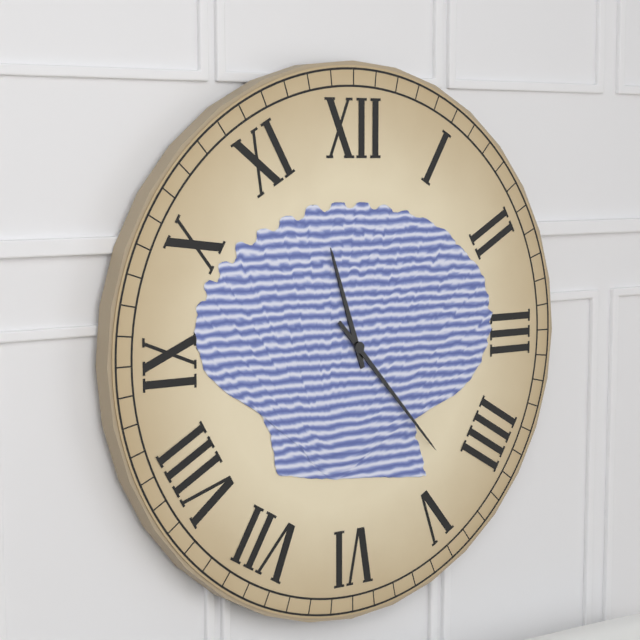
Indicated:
11.23
